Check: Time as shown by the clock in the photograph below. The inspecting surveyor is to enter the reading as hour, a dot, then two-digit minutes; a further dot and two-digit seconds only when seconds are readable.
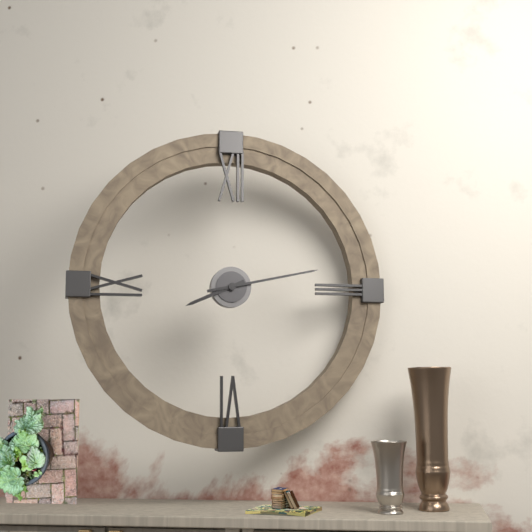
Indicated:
8.13
